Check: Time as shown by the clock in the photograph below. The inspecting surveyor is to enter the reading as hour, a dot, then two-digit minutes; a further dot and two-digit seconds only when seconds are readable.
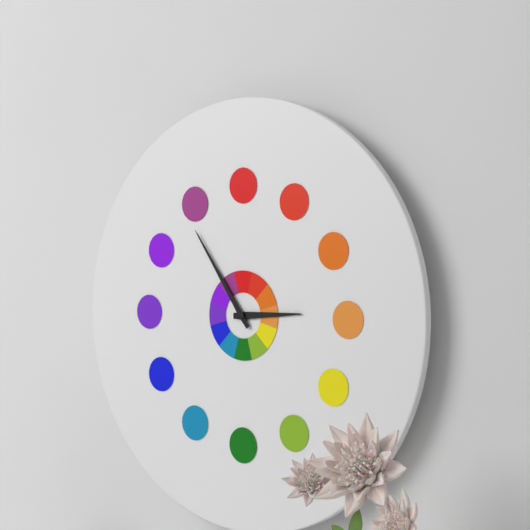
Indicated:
2.54
